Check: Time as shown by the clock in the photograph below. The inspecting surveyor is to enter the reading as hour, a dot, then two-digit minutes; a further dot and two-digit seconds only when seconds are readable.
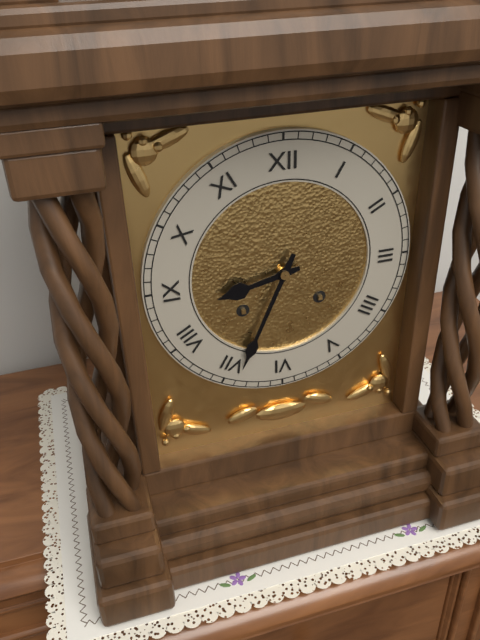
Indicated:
8.34
